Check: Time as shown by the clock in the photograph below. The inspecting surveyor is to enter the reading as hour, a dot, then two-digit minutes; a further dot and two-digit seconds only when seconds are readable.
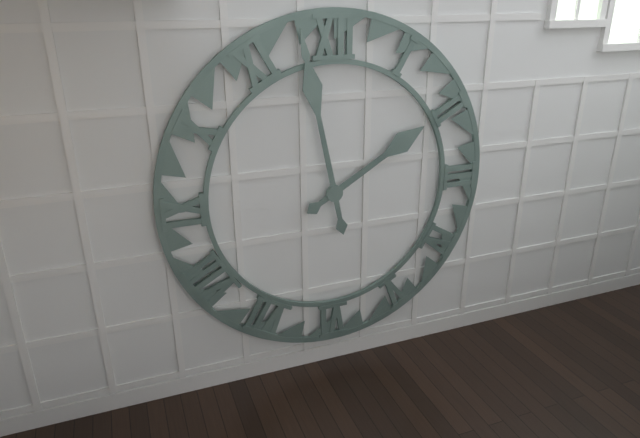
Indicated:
1.58
